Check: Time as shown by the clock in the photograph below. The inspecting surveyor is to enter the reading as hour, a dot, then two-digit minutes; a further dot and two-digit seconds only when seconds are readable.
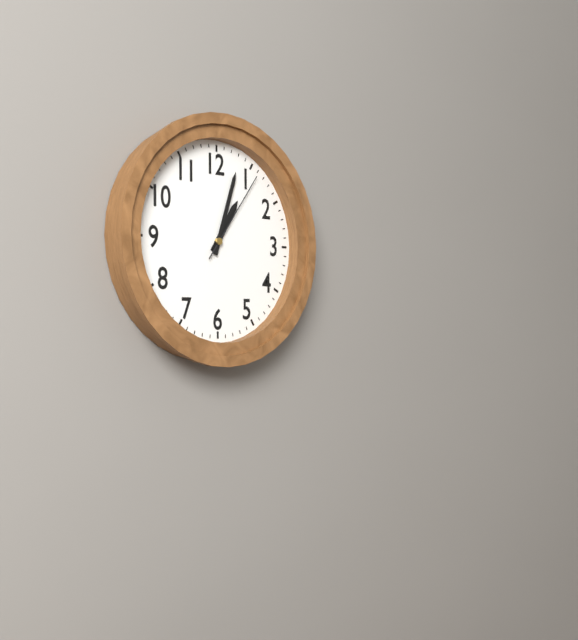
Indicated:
1.03.06
